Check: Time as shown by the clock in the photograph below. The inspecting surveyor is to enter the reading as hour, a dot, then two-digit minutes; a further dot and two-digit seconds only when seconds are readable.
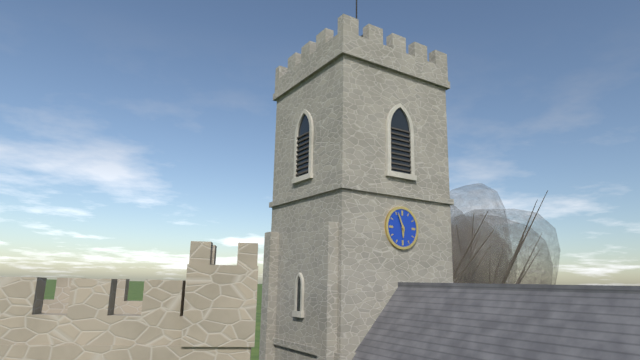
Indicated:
5.56
